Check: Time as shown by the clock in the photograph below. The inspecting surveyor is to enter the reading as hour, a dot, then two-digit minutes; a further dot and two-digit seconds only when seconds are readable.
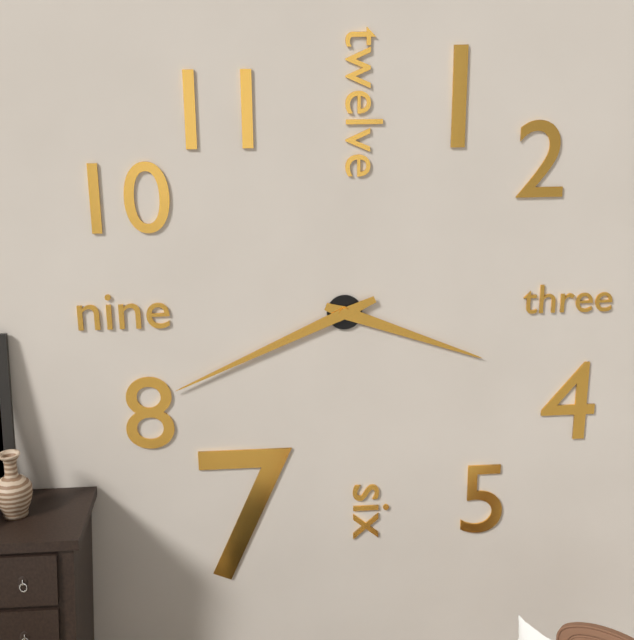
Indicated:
3.41
